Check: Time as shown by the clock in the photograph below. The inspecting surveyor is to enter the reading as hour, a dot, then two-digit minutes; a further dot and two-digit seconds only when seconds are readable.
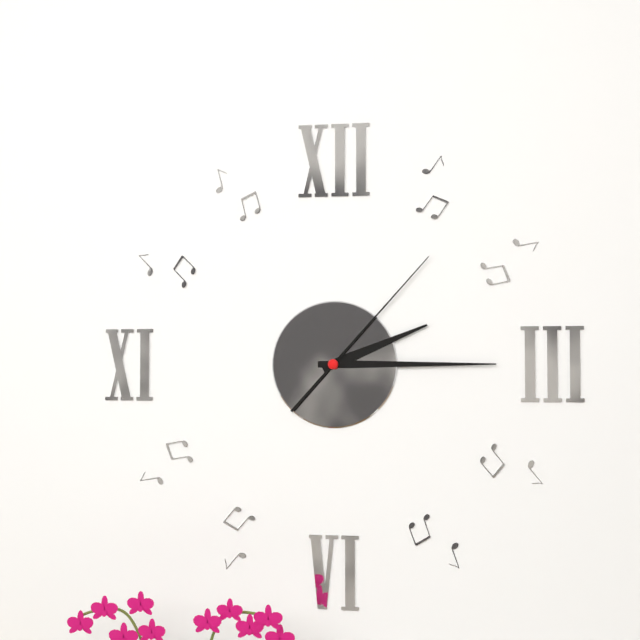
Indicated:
2.15.07
